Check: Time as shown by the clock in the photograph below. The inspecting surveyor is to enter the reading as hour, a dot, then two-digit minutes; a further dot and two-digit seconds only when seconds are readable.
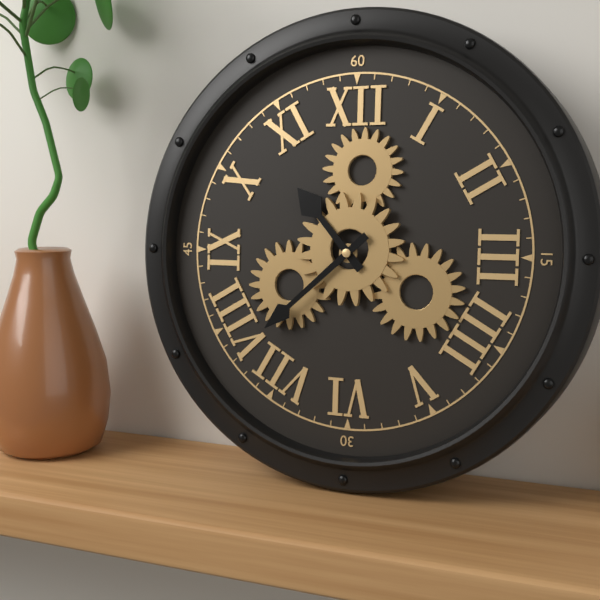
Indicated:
10.38
